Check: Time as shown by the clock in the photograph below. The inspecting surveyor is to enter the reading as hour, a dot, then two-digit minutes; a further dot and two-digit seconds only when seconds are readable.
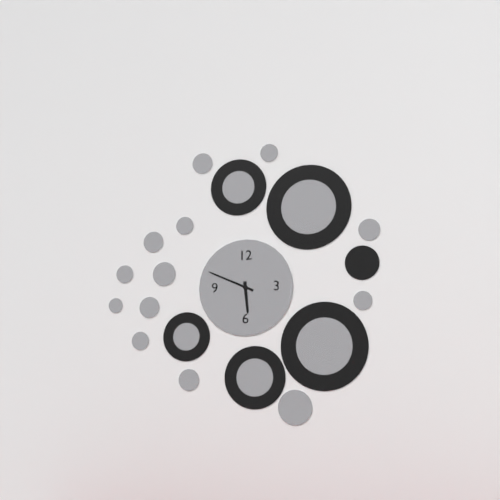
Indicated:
5.49
